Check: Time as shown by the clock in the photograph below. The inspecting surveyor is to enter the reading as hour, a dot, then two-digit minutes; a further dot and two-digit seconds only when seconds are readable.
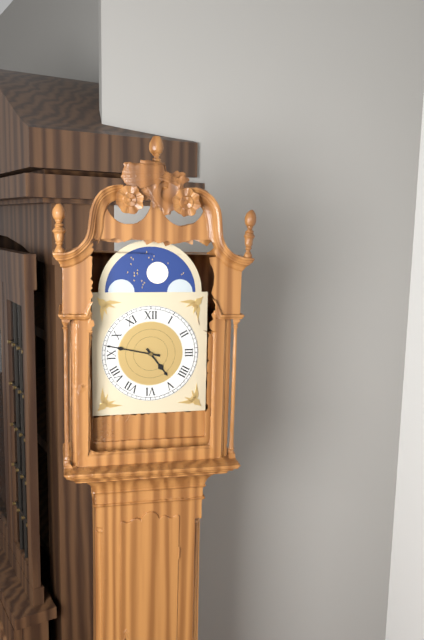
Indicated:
4.47
